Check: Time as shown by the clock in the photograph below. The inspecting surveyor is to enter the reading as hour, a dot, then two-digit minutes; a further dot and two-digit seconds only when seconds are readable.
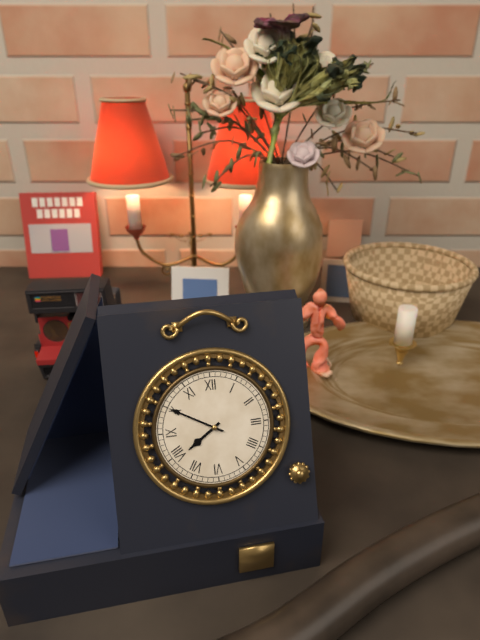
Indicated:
7.50
